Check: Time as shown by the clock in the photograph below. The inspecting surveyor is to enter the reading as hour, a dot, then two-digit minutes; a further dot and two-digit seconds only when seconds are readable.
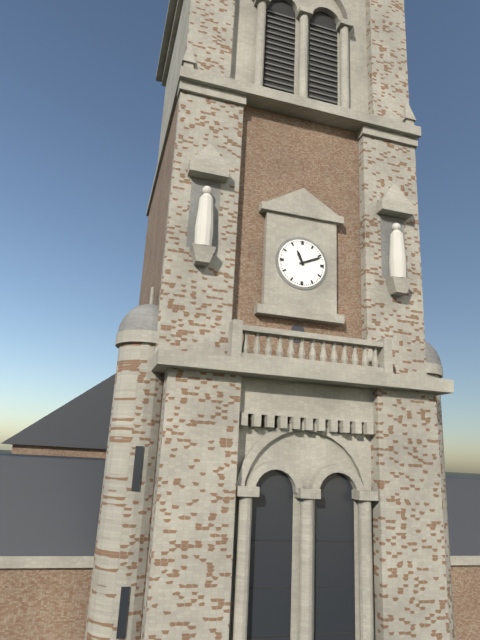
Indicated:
11.11
